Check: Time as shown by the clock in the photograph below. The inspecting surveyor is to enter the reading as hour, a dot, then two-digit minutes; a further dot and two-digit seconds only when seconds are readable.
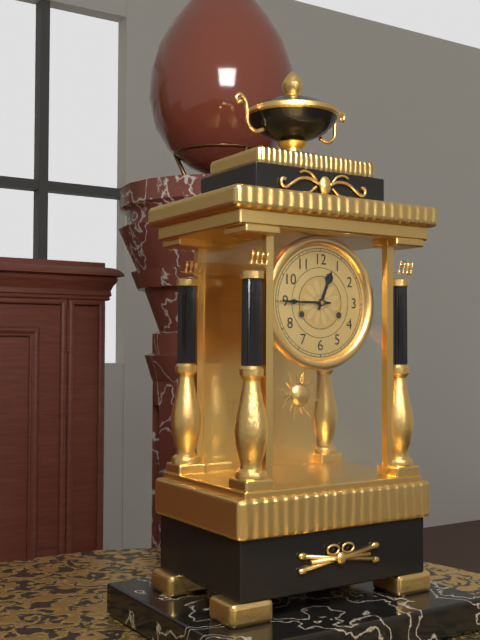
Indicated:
12.45
